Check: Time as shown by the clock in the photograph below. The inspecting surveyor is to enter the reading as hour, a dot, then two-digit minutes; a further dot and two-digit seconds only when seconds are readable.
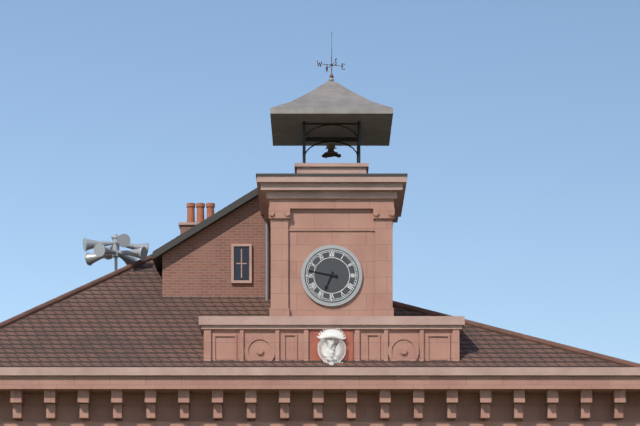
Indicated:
6.47
